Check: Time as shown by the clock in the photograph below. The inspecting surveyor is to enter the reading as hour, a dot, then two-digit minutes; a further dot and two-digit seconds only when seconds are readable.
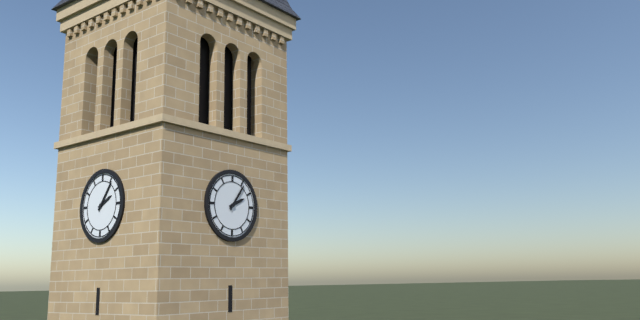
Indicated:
2.06
